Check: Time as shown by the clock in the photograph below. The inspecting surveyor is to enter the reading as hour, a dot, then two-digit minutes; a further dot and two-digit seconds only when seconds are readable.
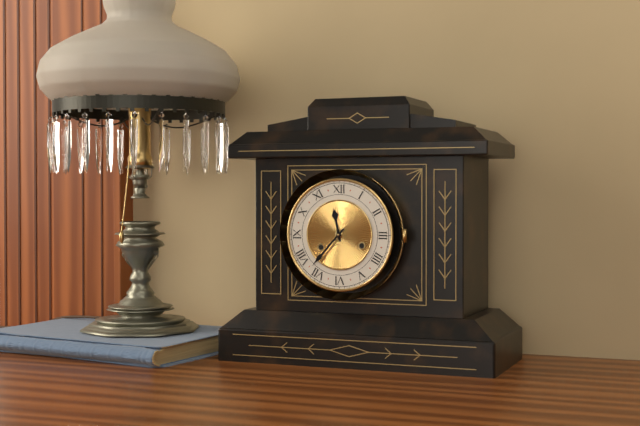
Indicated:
11.37
